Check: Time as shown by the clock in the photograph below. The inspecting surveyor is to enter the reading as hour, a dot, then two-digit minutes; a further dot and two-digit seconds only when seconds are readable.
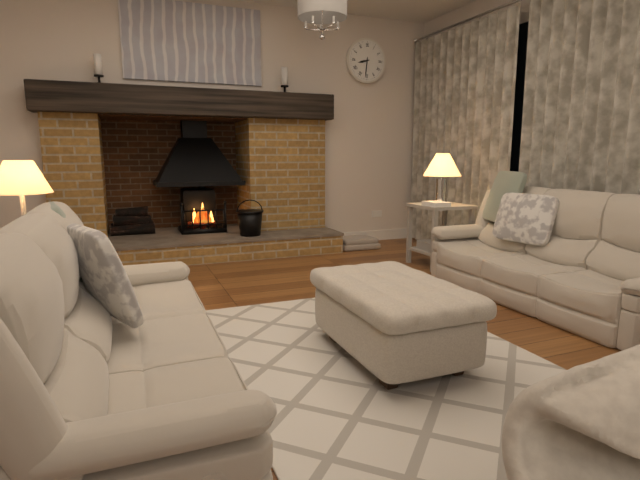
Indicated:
8.31
